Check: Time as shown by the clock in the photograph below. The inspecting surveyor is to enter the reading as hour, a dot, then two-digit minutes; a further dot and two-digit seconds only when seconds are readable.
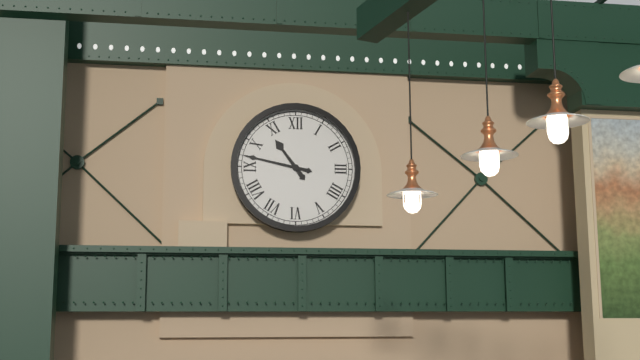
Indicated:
10.47
